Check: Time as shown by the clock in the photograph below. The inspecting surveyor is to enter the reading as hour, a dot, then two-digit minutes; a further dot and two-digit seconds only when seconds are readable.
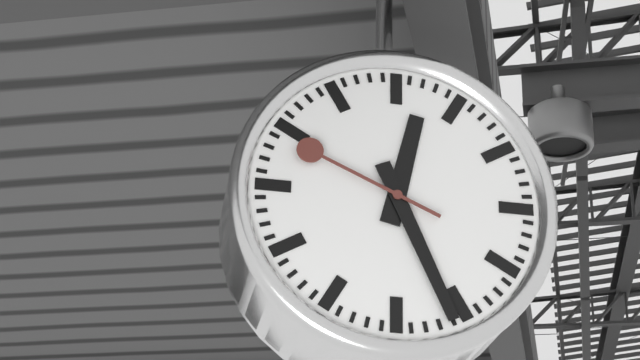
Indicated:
12.26.49
